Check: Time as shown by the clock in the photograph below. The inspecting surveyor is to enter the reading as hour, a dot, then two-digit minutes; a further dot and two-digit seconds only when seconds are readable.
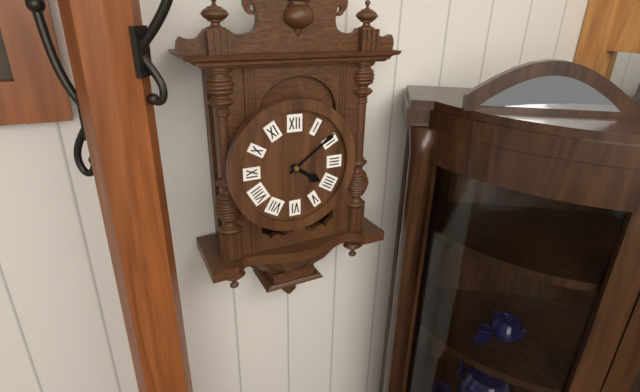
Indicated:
4.09
